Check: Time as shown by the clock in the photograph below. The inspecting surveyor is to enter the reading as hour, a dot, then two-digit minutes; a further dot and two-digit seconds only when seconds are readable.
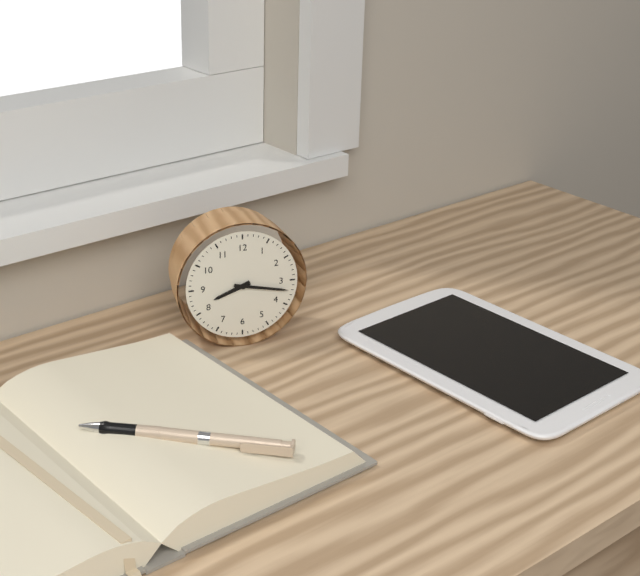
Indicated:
8.17
